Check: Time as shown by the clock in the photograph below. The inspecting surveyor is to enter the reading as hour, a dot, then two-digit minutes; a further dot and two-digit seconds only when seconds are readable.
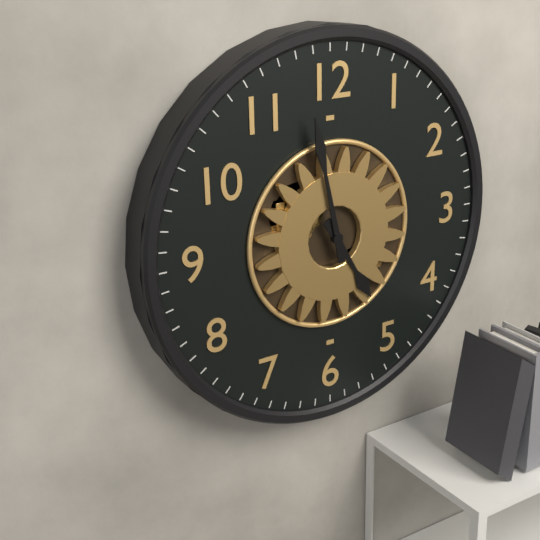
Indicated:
4.58
